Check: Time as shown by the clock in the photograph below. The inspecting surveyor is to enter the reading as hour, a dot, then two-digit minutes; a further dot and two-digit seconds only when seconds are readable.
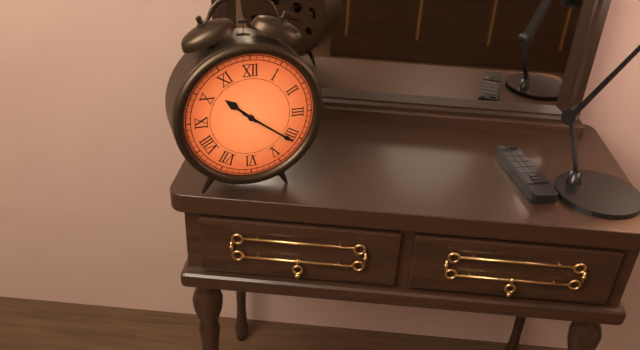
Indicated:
10.21
